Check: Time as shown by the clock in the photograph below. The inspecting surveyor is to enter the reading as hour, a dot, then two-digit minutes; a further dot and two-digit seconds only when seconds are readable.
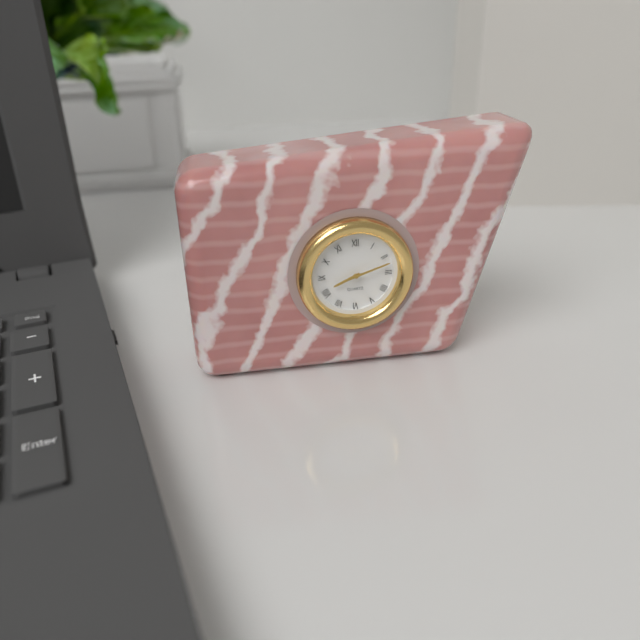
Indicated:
8.12
